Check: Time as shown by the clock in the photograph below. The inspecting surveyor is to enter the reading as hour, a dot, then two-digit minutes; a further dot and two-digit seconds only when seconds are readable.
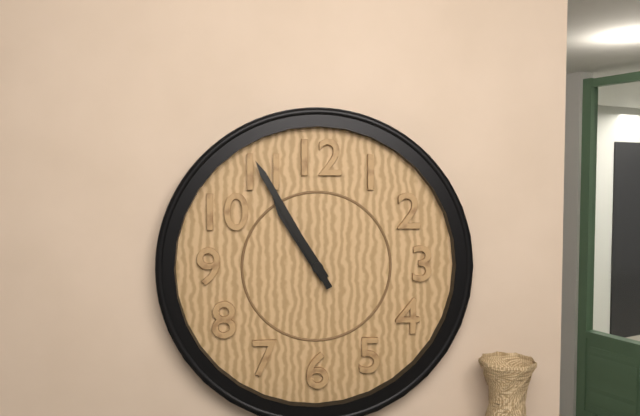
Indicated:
10.55
